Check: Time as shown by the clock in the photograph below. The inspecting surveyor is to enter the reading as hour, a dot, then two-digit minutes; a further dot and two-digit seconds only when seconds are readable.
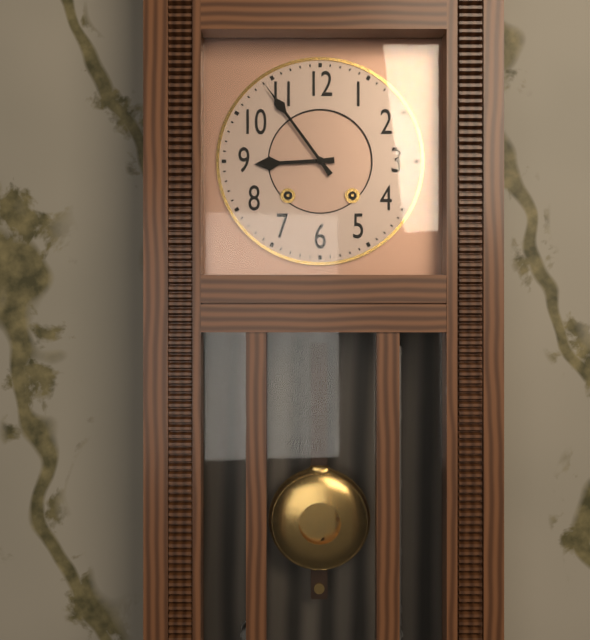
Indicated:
8.54
